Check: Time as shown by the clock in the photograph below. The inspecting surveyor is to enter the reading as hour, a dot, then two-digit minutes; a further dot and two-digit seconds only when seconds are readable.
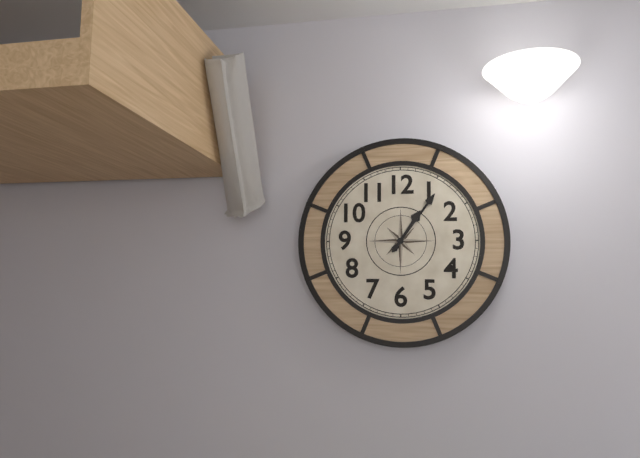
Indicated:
1.06
